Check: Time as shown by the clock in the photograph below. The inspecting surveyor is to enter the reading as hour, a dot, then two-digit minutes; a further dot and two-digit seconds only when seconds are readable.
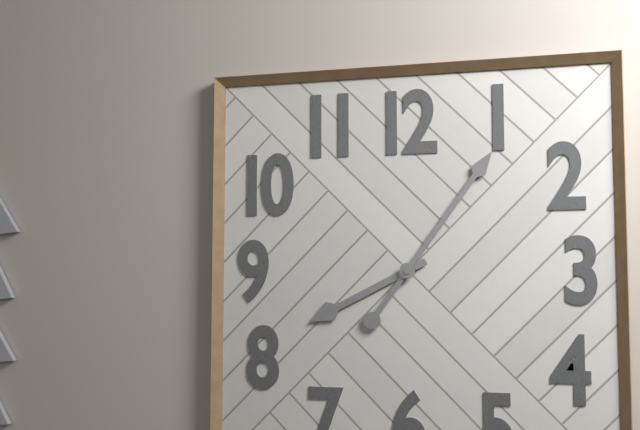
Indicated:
8.06
